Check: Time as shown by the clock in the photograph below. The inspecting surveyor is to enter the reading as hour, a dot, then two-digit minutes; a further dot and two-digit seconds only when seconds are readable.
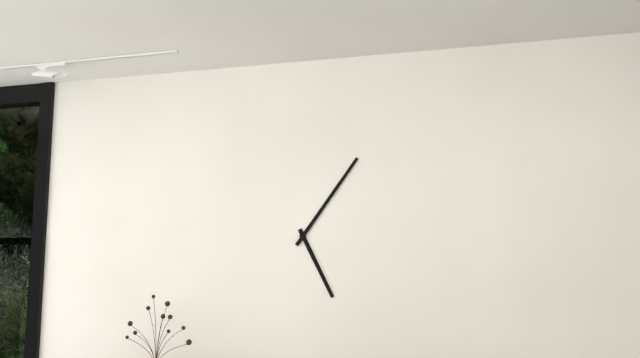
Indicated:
5.06
